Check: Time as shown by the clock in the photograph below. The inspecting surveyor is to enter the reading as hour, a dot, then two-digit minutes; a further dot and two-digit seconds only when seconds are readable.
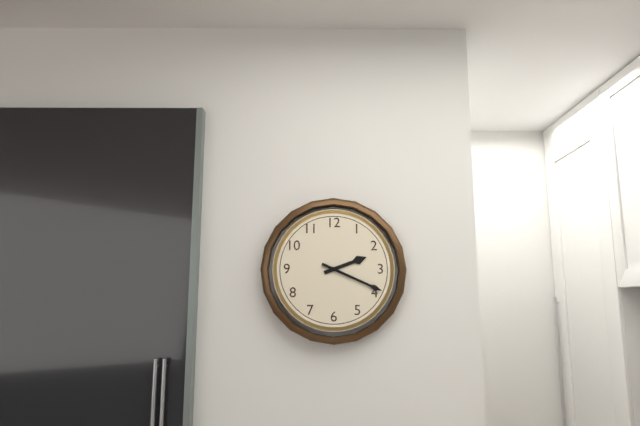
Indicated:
2.19
